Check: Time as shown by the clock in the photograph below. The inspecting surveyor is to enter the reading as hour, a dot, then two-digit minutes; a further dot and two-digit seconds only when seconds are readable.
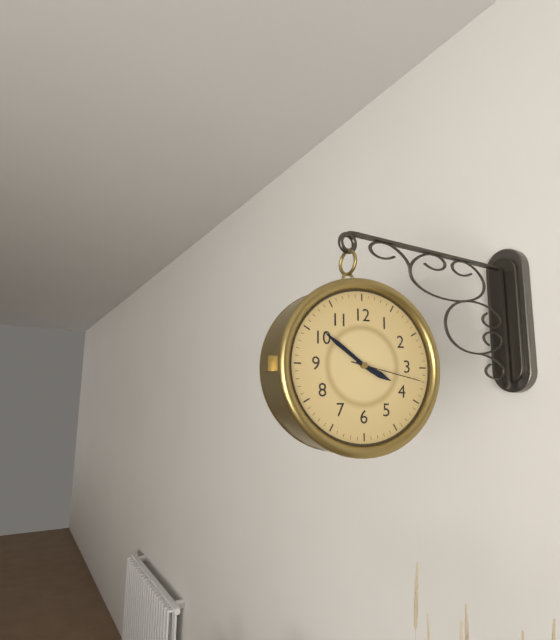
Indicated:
3.51.17
